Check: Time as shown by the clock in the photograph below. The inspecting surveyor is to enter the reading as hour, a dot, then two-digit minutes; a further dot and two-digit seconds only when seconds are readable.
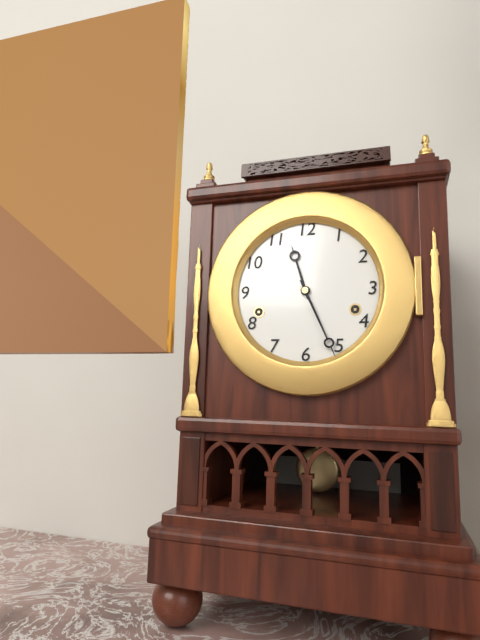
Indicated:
11.26
